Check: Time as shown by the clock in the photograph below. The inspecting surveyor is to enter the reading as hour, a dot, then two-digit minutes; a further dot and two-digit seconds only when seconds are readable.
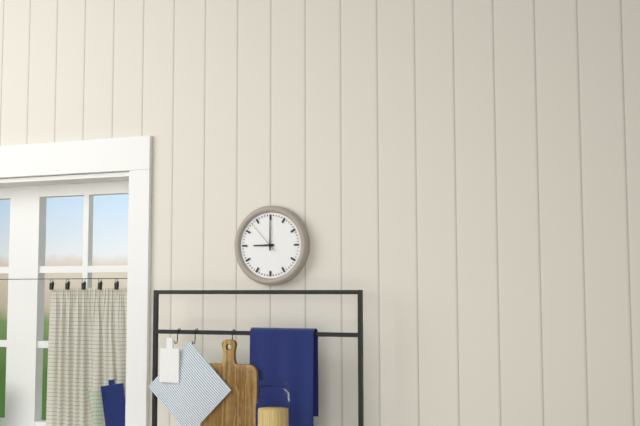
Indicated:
9.00
